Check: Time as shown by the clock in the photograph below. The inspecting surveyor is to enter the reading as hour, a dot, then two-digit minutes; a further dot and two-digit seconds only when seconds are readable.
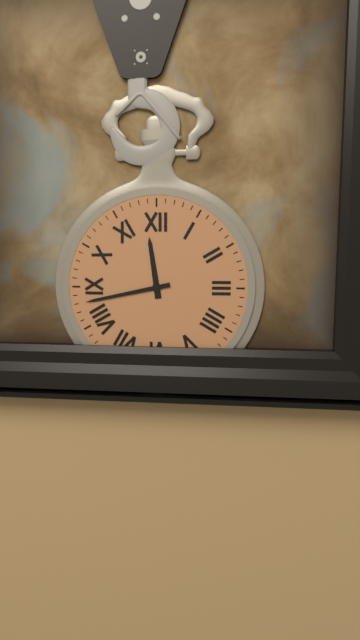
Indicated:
11.43
